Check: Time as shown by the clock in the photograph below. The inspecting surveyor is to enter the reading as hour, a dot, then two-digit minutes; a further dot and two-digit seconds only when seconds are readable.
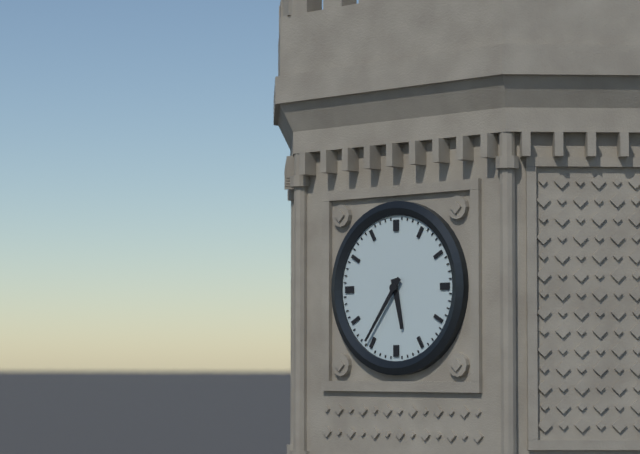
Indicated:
5.36
